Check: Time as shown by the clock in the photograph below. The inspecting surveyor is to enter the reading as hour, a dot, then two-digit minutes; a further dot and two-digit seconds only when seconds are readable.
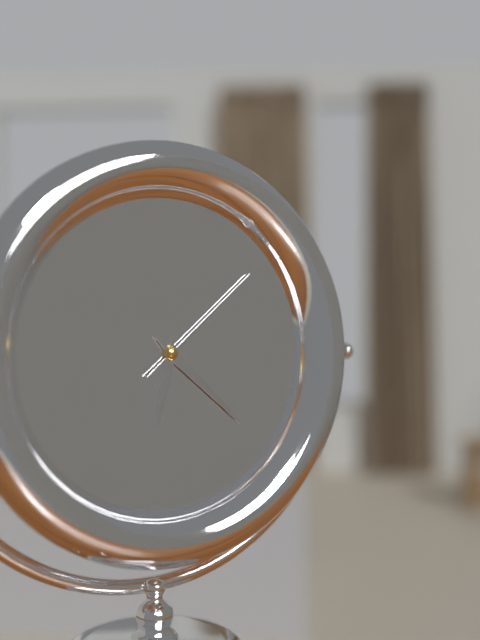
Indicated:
6.22.08
